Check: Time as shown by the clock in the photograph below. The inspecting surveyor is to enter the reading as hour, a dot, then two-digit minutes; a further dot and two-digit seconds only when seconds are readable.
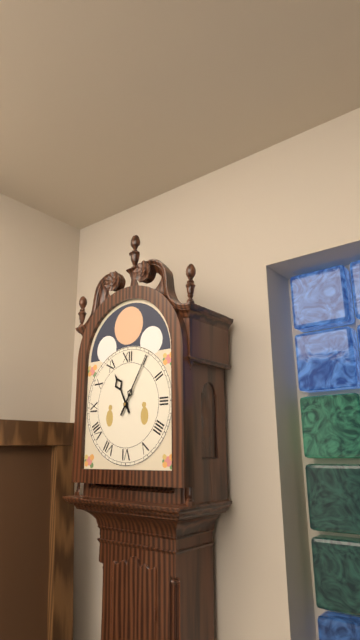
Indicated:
11.05
